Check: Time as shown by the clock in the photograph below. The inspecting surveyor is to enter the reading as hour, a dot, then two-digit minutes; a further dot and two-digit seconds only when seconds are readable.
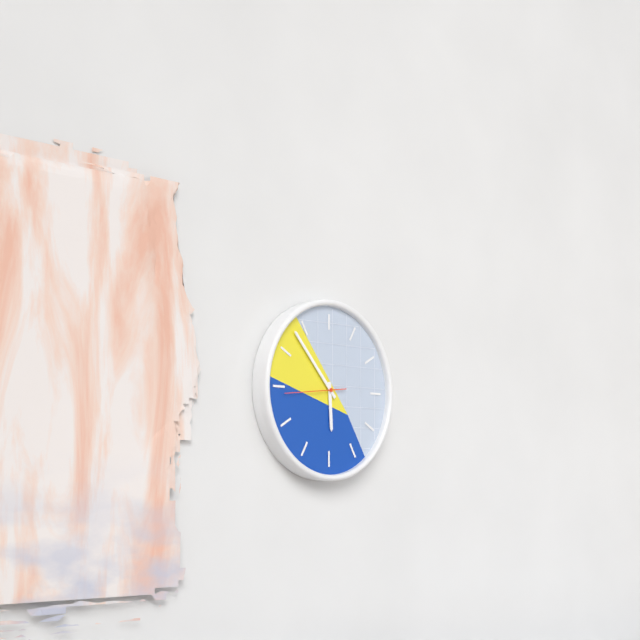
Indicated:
5.53.44
